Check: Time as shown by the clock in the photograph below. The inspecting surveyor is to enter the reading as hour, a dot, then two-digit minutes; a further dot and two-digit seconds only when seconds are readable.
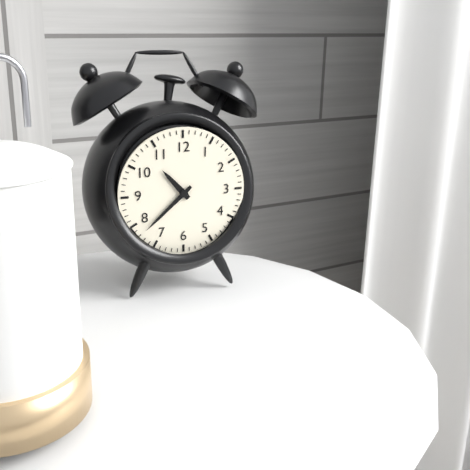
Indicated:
10.38
